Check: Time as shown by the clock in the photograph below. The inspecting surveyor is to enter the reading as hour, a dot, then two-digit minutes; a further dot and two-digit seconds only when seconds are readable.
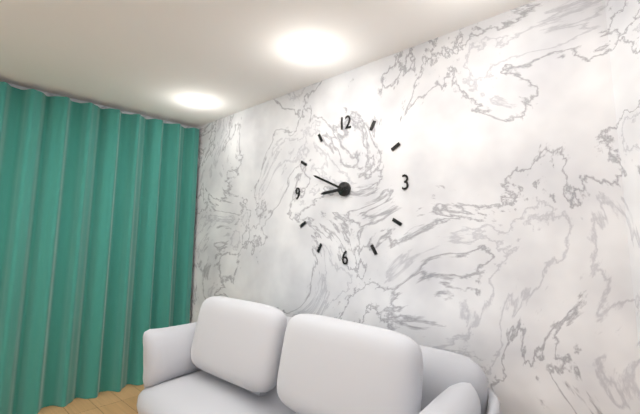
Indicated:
8.49
